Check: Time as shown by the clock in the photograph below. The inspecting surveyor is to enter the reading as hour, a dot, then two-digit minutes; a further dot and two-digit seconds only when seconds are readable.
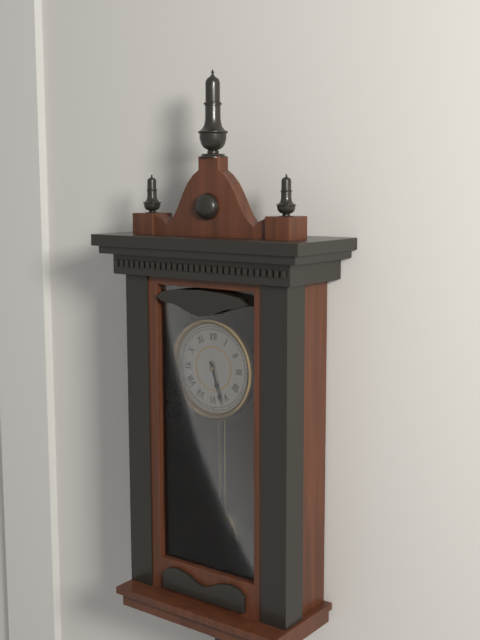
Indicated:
5.27
